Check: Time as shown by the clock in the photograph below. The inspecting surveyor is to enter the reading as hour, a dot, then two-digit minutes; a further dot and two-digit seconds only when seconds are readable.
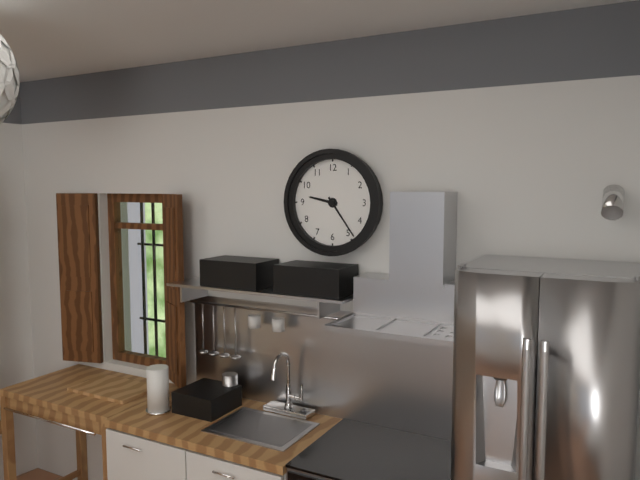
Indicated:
9.24
